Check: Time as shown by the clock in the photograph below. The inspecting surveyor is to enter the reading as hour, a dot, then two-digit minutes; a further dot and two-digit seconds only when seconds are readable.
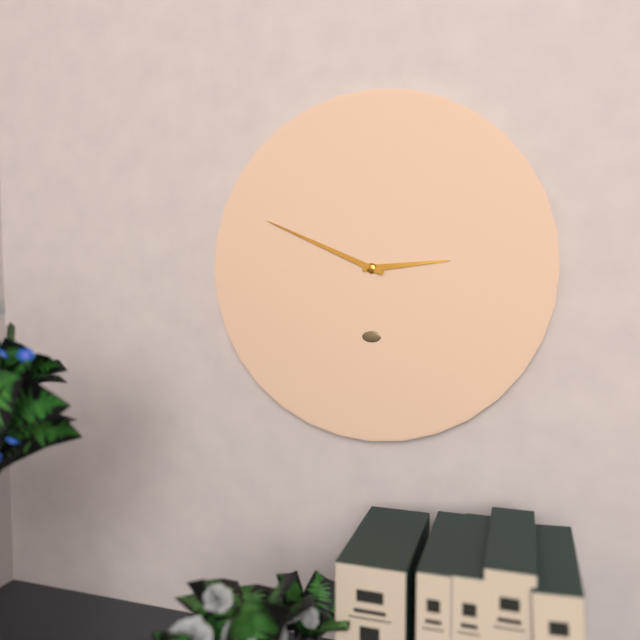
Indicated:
2.49
